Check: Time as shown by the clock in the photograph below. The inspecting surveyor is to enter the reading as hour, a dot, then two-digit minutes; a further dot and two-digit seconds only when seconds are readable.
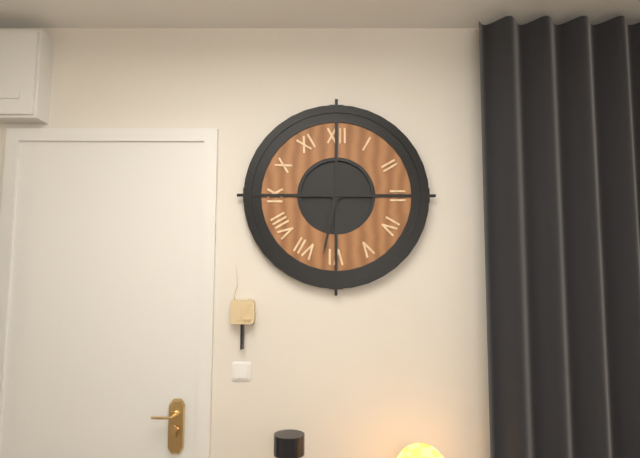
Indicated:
6.32
